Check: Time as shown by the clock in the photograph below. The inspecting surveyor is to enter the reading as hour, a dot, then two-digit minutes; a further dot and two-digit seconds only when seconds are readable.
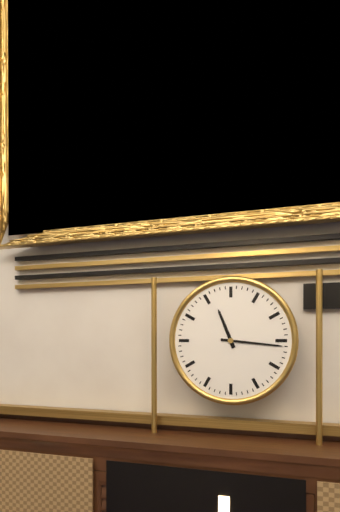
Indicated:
11.16
